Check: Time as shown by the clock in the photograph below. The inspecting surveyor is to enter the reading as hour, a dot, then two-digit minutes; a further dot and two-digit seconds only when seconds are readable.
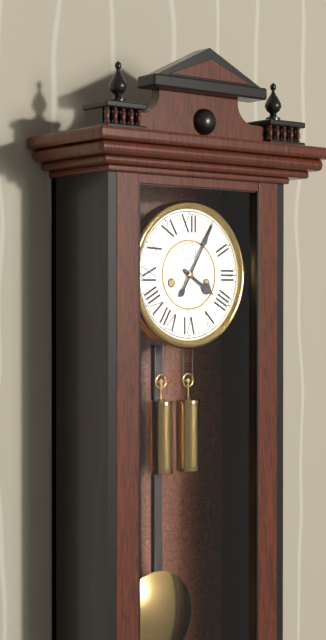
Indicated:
4.05
